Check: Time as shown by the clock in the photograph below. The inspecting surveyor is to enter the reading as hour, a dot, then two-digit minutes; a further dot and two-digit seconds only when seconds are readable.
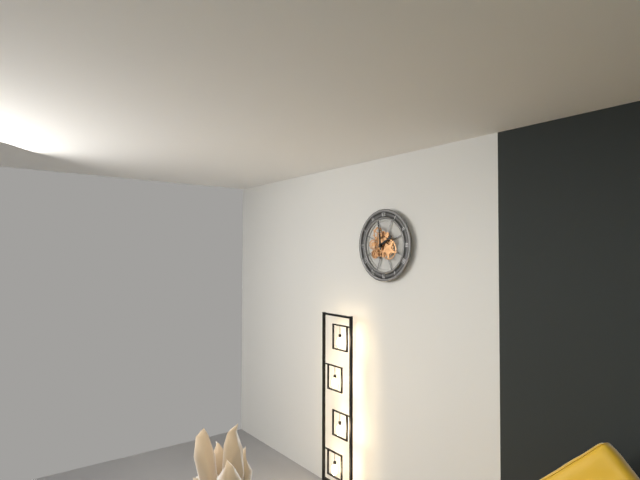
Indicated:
1.59
